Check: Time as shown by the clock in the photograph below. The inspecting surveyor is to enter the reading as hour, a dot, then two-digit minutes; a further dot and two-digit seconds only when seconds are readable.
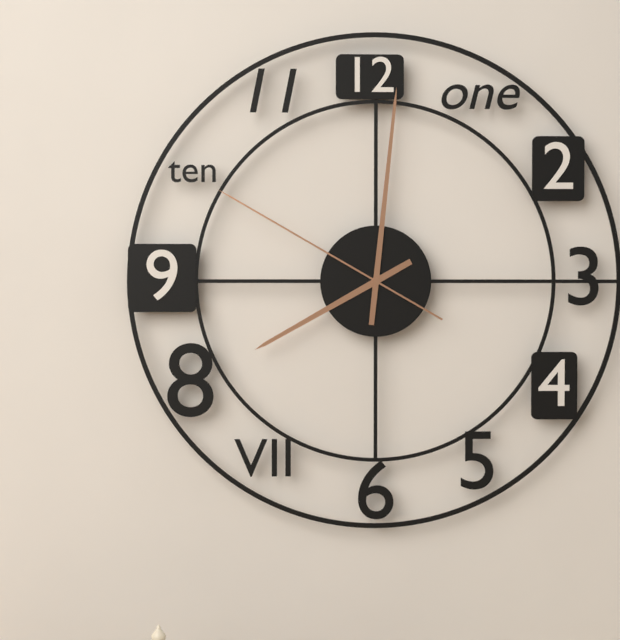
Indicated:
8.01.50
